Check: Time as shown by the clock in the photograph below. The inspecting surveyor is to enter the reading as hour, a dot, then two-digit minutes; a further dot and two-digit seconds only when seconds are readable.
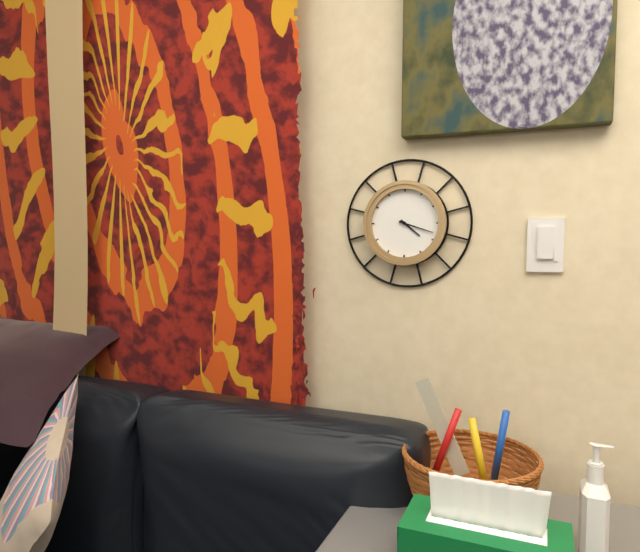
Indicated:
4.18
